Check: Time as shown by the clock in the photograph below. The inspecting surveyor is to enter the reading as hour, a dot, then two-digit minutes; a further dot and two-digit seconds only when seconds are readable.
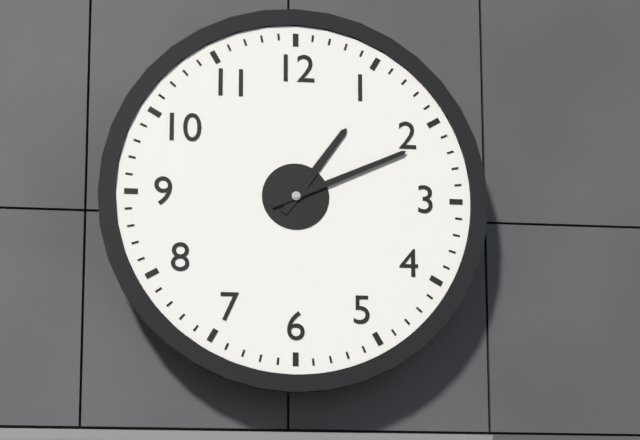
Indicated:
1.11
